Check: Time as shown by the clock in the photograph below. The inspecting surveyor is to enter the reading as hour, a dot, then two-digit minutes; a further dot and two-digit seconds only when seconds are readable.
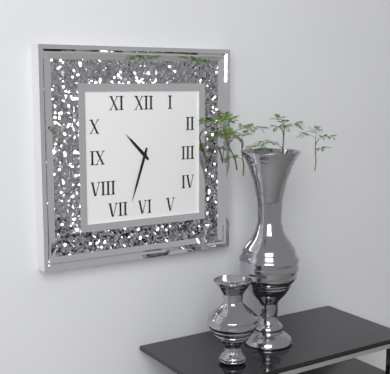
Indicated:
10.33
